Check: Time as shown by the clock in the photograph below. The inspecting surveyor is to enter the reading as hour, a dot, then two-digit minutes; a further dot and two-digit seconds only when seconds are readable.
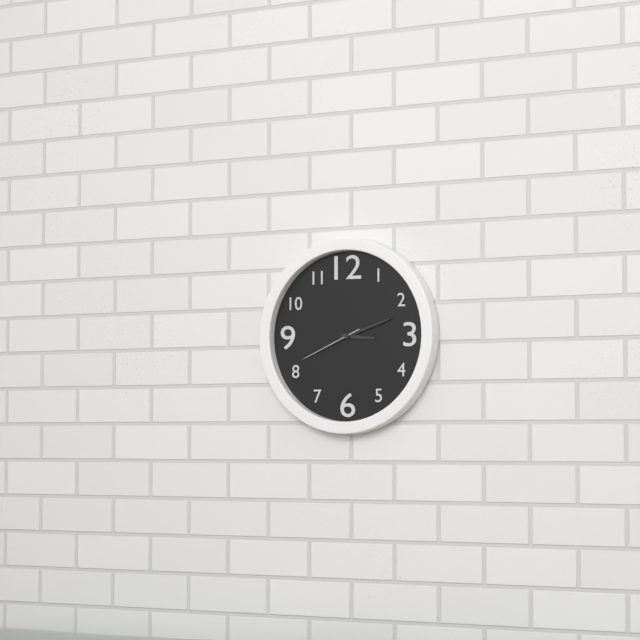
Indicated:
3.12.41
